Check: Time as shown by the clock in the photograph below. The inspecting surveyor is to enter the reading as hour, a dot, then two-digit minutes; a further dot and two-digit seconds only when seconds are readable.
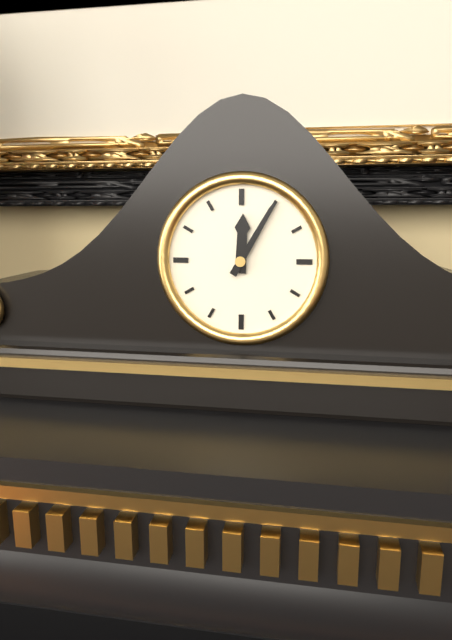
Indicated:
12.05
